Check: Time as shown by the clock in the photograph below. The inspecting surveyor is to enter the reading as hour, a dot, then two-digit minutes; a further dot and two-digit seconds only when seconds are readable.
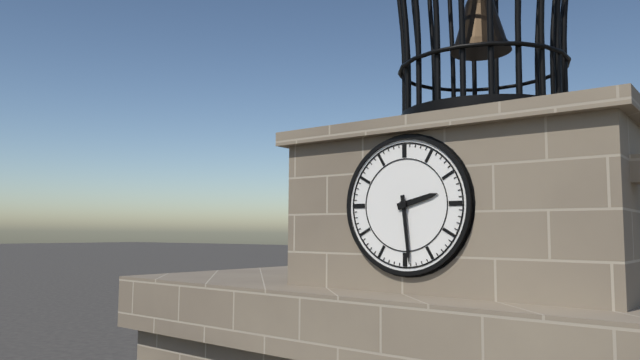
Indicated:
2.29
